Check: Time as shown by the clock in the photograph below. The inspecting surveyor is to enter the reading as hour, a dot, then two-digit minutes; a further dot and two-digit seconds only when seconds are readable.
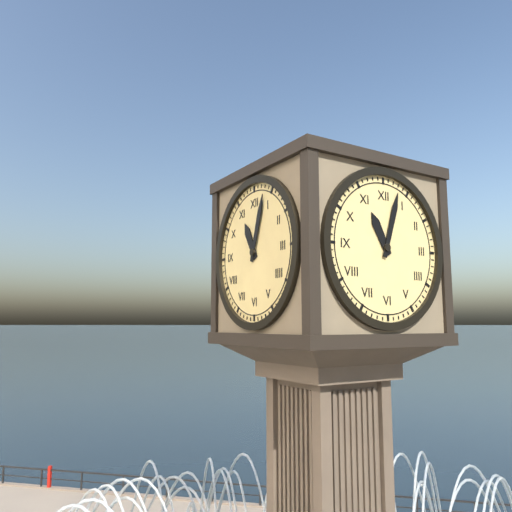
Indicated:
11.03
